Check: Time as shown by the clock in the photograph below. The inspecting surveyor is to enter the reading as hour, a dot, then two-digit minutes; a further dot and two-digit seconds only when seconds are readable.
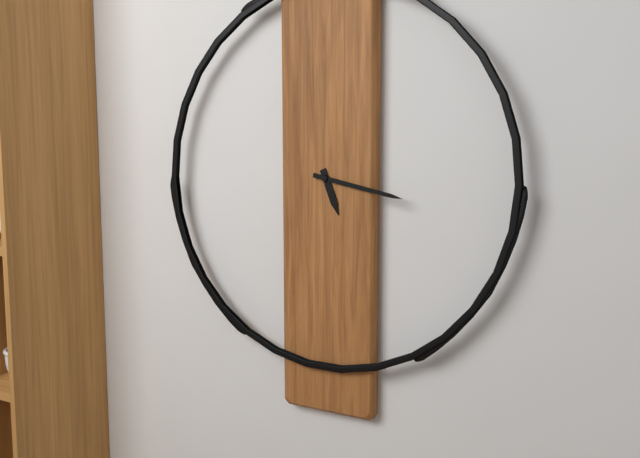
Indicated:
5.17
